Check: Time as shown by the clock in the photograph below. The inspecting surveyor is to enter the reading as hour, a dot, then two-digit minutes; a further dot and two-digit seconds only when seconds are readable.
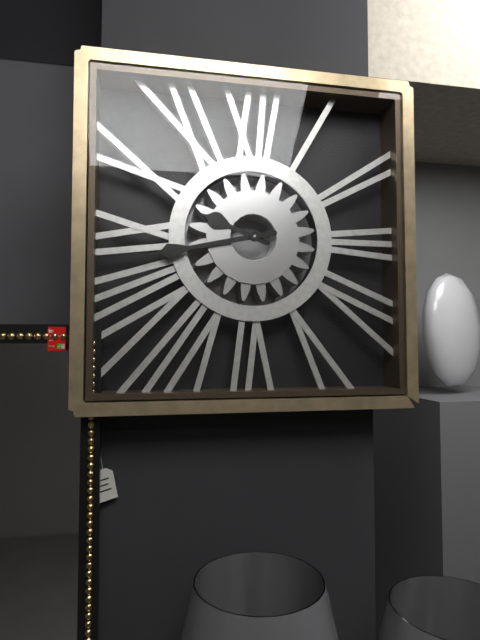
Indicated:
9.43
